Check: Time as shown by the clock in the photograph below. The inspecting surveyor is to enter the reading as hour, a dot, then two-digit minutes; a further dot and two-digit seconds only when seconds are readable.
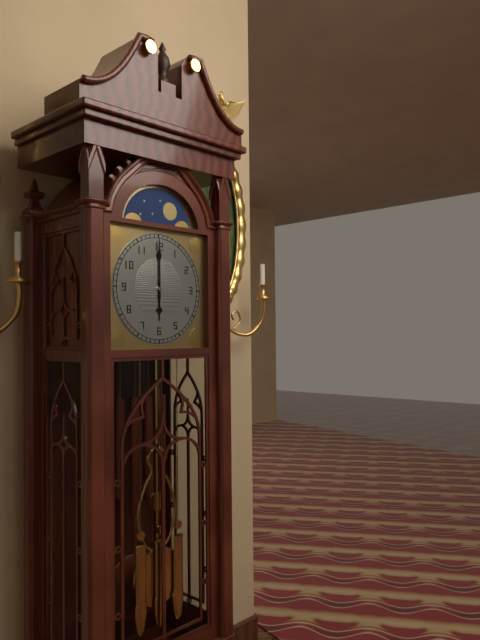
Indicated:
6.00
